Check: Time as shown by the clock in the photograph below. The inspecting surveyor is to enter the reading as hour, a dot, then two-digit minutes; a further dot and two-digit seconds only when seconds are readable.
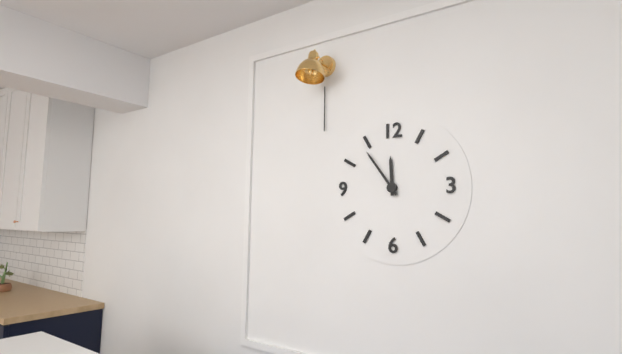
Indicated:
11.54
